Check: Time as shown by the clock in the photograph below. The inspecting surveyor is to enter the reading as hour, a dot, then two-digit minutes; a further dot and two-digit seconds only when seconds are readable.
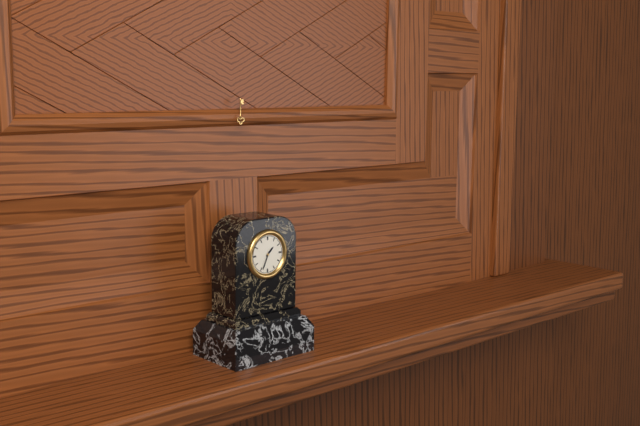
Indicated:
1.34
